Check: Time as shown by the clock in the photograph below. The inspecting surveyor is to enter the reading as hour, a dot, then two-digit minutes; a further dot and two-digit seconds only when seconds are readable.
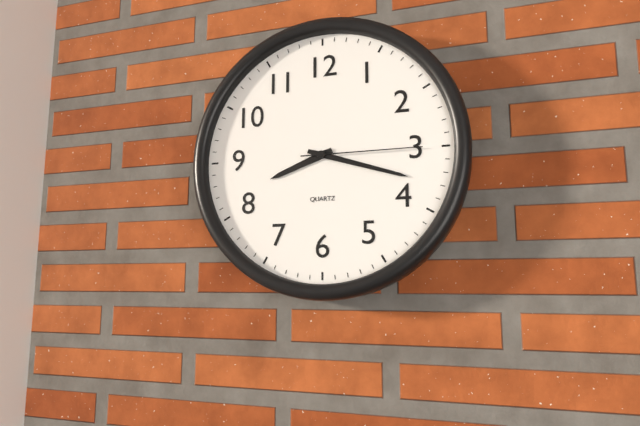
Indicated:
8.18.15
